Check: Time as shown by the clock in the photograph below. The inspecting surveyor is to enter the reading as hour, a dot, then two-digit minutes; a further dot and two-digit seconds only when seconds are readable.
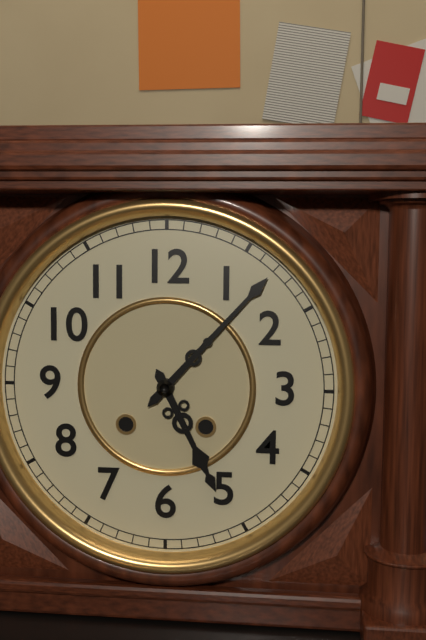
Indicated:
5.07
